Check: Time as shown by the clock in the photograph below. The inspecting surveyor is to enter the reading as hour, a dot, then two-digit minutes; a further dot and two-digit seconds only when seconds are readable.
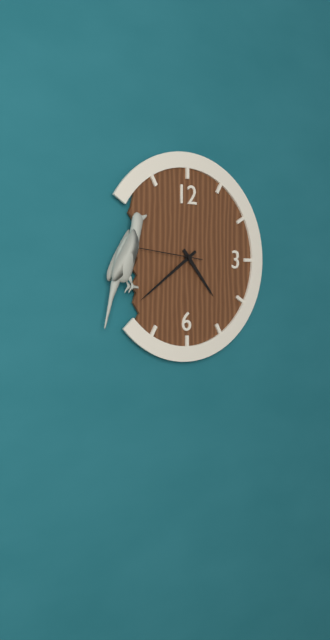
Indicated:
4.39.46
